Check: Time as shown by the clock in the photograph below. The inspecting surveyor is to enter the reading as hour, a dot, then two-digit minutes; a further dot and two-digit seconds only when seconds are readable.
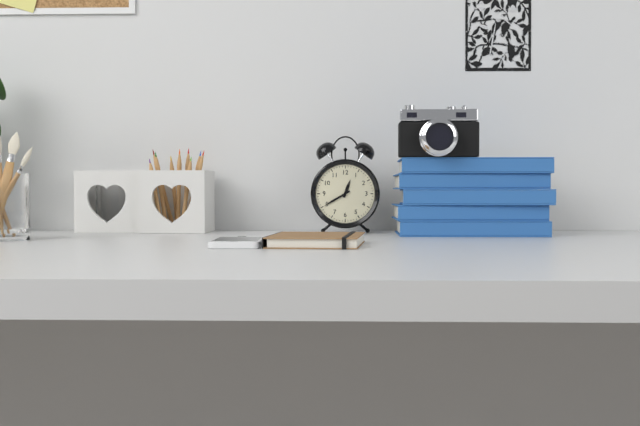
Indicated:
12.40
